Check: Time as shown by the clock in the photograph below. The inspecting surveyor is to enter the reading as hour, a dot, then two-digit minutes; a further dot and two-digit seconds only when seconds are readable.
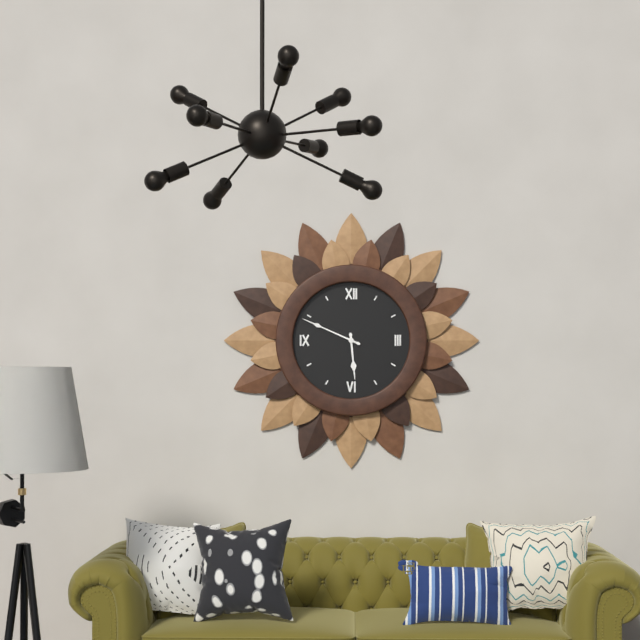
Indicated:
5.49
